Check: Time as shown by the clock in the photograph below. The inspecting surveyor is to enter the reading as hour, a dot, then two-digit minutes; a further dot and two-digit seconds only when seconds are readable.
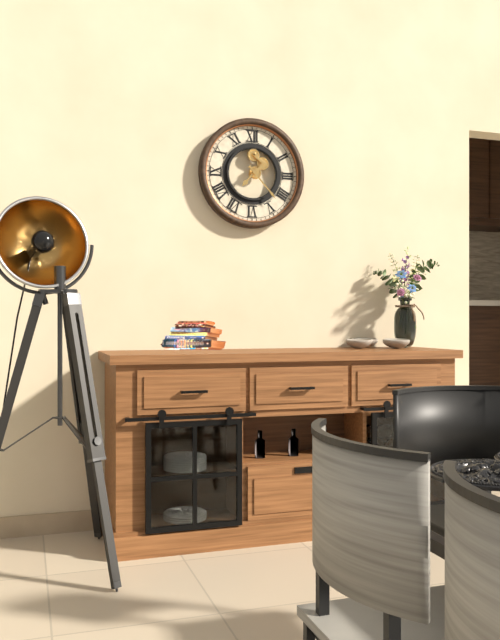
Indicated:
7.23
